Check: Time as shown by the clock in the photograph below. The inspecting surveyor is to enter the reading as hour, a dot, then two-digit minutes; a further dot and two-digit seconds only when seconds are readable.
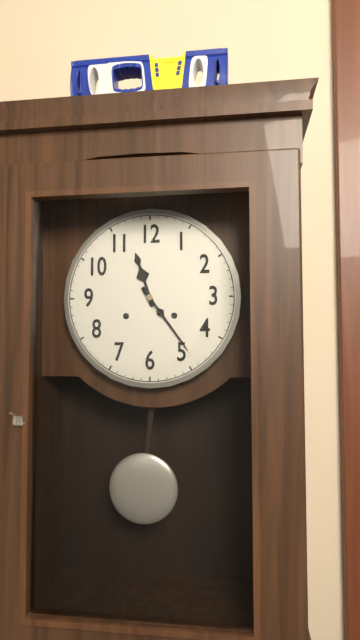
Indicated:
11.24
